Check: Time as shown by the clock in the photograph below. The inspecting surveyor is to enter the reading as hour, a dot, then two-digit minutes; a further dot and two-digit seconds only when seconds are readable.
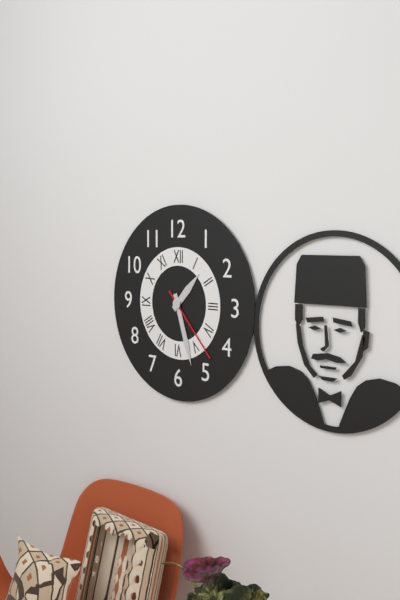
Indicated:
1.27.23
